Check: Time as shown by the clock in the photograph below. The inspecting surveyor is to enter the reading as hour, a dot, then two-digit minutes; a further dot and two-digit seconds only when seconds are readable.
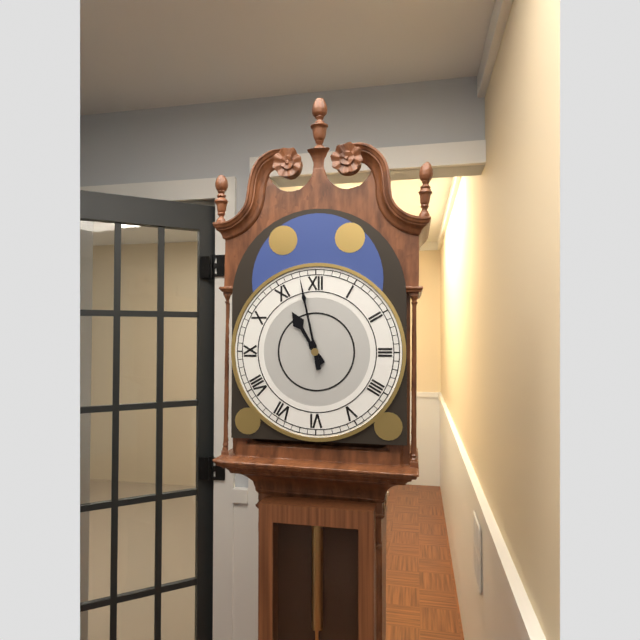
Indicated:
10.58
